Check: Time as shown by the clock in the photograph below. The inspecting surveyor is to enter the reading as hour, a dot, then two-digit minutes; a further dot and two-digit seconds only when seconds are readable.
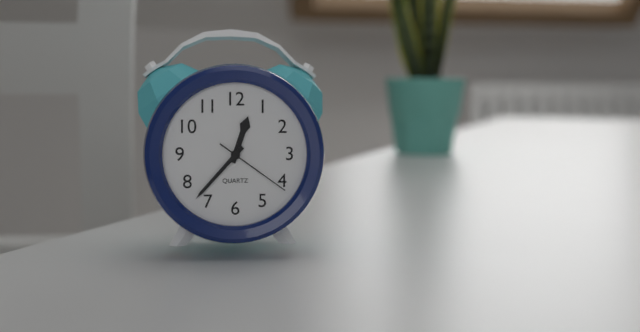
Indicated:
12.37.21
